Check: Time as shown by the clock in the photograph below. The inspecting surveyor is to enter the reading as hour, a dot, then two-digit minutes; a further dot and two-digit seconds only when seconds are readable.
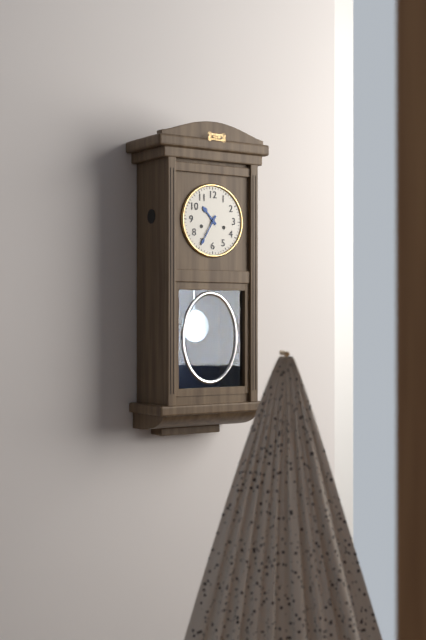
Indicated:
10.35
